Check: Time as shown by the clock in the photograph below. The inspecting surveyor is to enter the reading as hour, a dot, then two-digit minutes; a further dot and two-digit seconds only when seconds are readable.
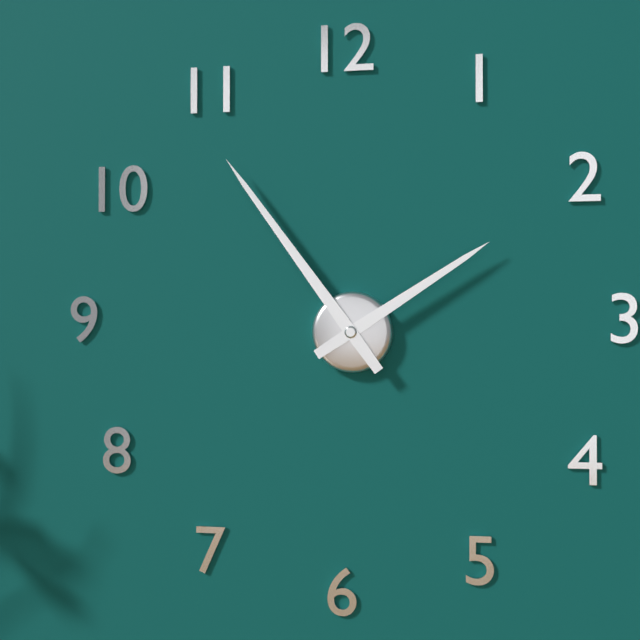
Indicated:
1.54
